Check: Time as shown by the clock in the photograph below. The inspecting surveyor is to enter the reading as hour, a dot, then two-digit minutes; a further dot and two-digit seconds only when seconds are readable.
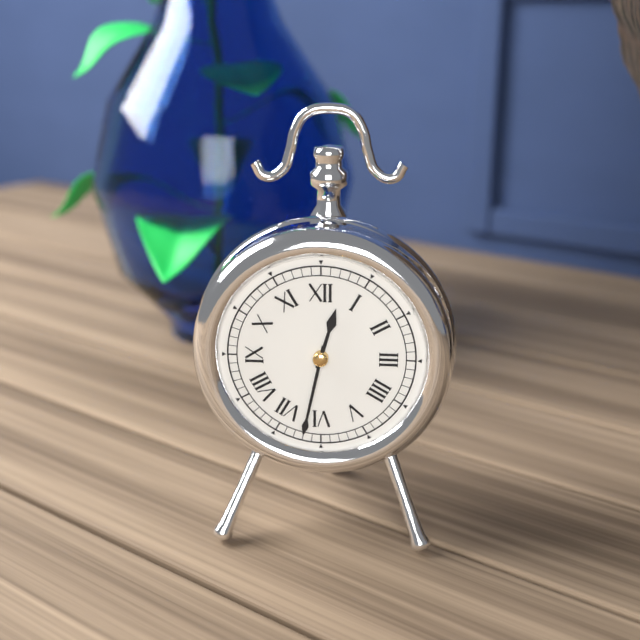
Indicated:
12.32
